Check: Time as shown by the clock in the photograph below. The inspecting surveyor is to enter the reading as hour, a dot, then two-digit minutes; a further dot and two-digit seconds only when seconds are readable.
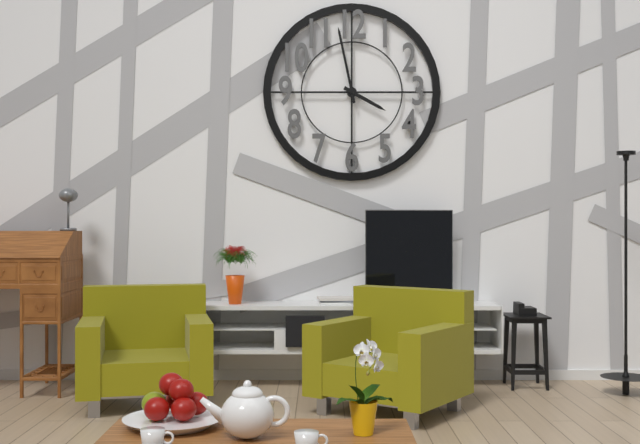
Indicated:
3.58
